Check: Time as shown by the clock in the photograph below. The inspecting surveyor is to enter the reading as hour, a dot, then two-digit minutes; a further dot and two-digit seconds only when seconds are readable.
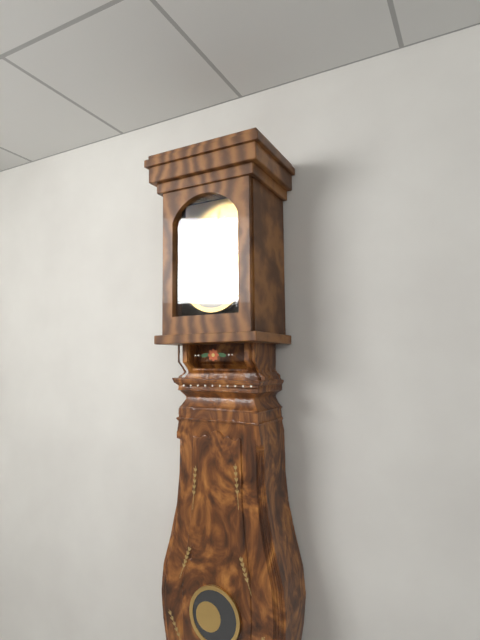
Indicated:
4.23
